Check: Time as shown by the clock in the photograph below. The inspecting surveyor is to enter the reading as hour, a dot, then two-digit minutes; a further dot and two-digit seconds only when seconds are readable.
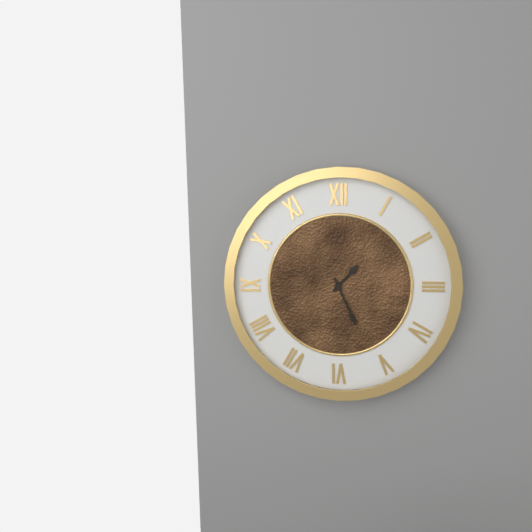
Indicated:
1.26
